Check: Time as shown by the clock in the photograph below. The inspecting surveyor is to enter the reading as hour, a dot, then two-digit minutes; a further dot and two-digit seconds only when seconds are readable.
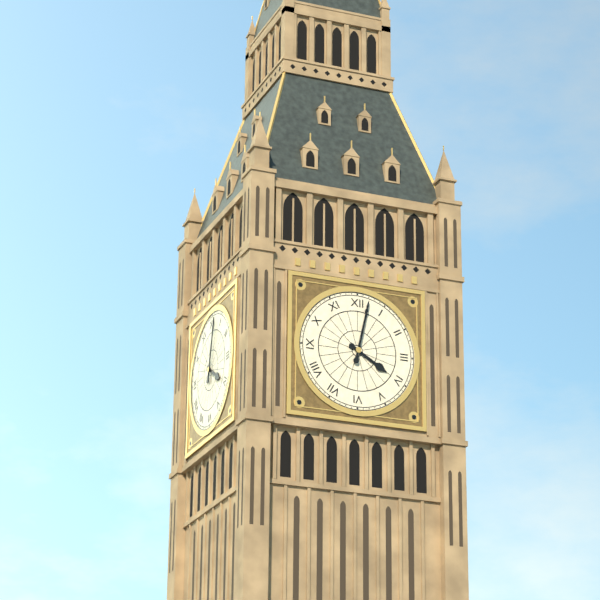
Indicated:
4.02
